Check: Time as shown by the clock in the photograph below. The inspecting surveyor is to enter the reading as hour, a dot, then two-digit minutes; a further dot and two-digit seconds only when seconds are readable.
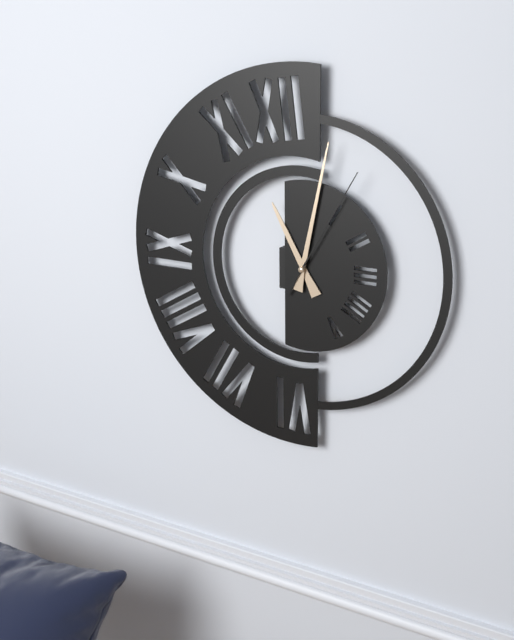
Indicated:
11.02.05
